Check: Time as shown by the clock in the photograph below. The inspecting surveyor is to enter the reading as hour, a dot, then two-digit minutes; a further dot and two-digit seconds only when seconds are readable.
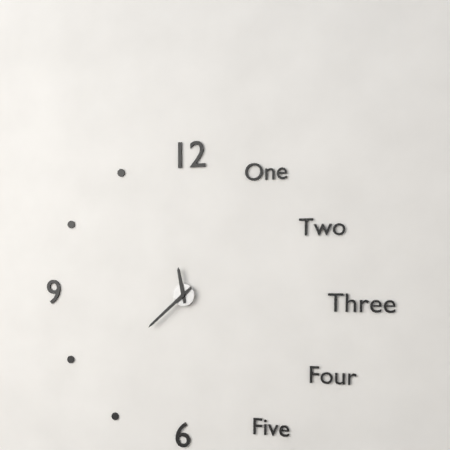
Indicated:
11.38
